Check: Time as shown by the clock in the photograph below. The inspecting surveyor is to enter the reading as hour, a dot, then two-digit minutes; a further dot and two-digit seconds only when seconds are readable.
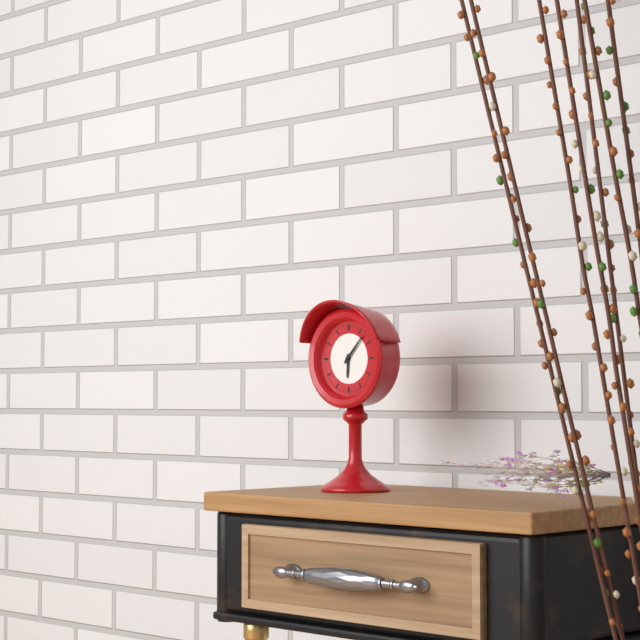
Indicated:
6.07
